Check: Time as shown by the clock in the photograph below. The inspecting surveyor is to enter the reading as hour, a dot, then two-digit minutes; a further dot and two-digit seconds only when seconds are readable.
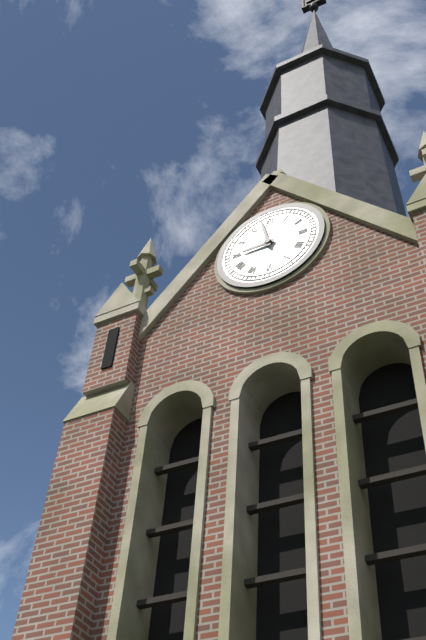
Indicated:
8.58
